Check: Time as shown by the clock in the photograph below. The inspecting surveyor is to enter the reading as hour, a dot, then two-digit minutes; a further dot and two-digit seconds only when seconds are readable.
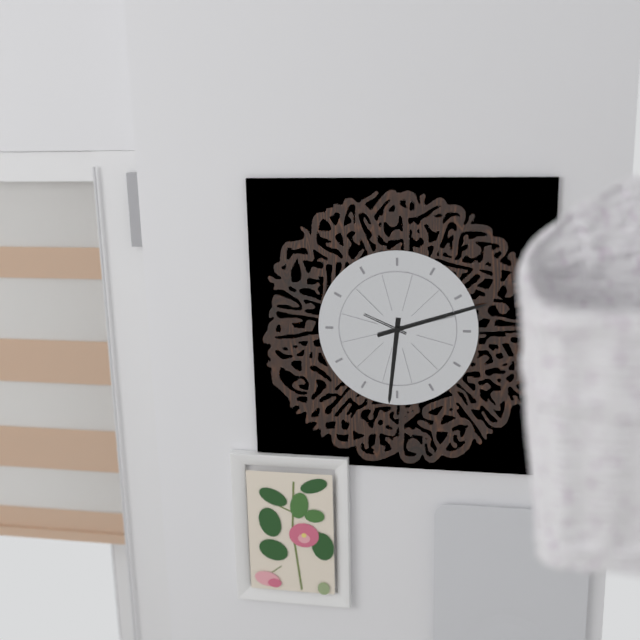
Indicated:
6.12
